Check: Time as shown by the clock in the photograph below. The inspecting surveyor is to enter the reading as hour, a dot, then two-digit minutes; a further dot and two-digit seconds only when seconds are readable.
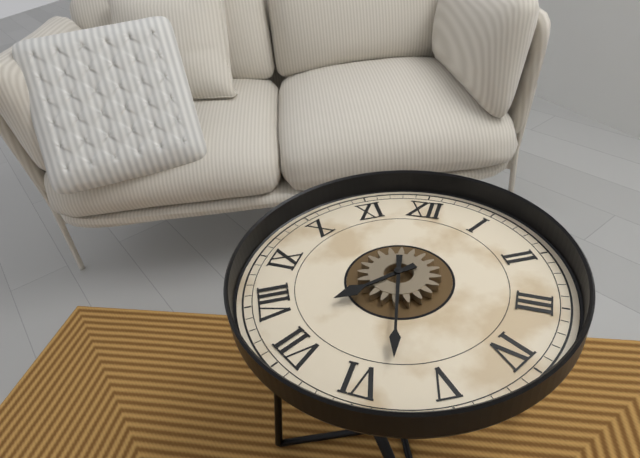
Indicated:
7.28
